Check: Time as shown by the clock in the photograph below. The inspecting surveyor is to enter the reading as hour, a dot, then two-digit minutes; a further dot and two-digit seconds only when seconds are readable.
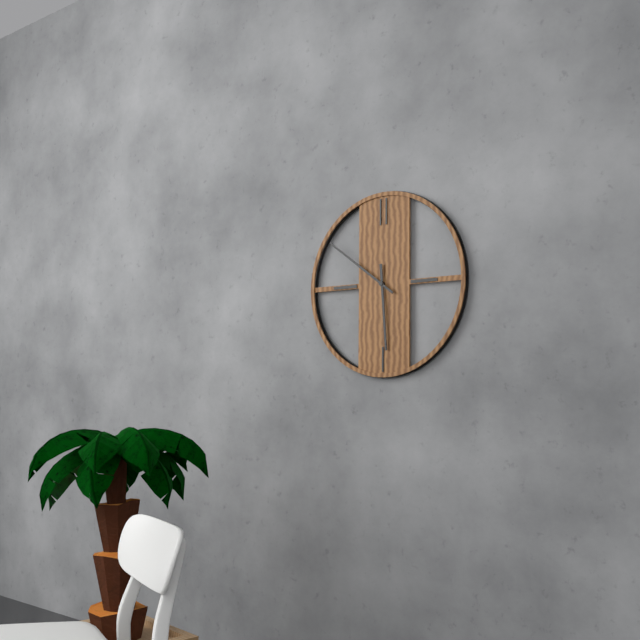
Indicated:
5.51
